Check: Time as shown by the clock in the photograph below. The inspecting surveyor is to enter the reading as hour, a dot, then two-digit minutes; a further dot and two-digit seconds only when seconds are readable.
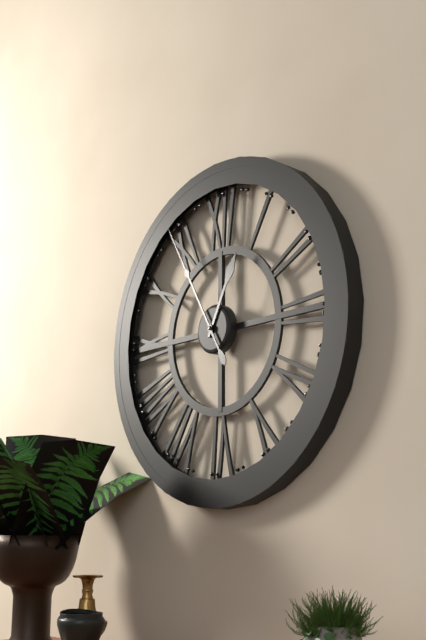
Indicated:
12.55
